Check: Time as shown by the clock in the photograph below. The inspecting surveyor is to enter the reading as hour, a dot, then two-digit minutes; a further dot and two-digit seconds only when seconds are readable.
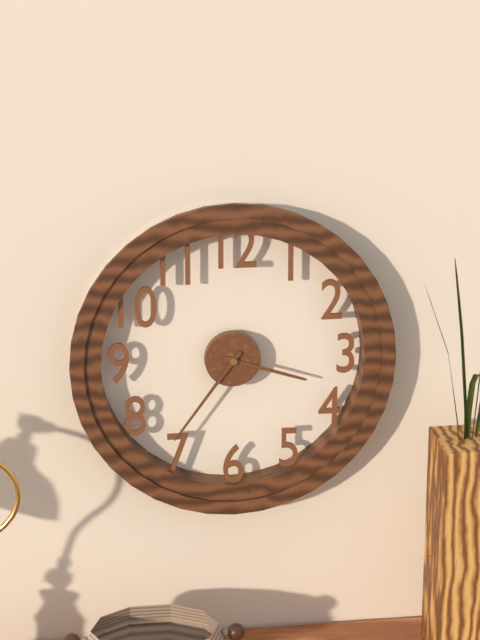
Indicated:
3.36
